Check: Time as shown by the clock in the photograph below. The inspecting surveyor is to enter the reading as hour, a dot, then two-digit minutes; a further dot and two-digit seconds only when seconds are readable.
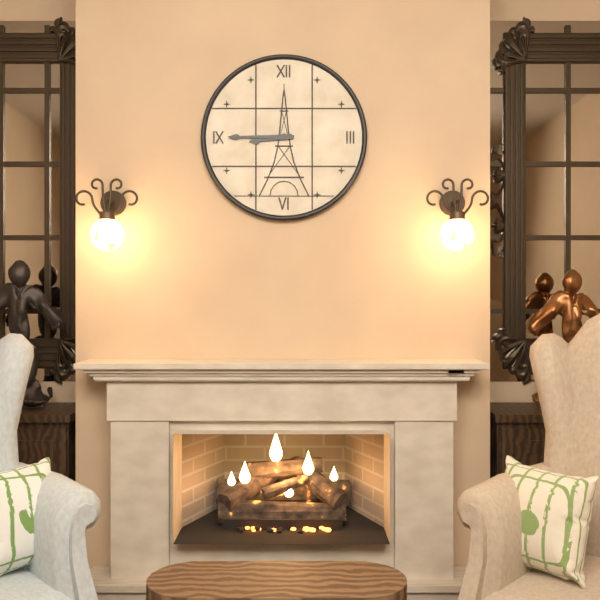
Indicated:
8.45
